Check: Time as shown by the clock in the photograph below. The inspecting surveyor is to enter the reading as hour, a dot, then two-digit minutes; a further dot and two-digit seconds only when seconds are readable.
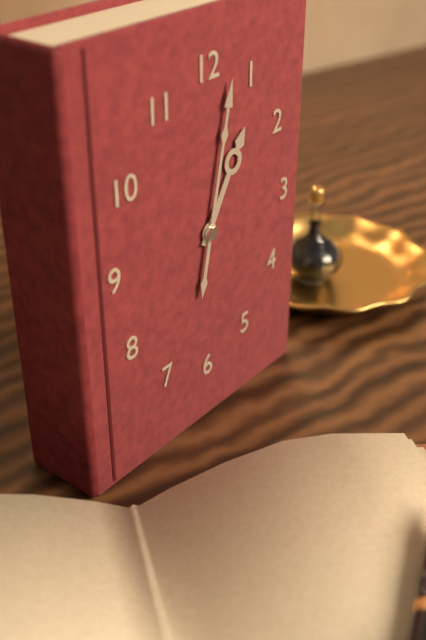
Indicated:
1.02
